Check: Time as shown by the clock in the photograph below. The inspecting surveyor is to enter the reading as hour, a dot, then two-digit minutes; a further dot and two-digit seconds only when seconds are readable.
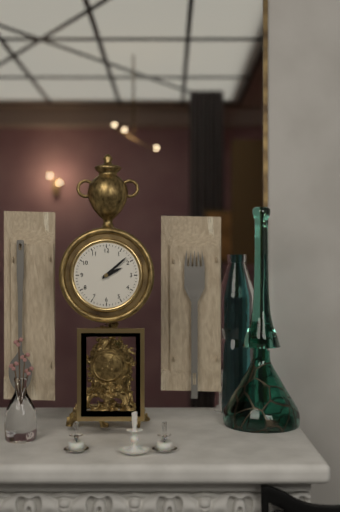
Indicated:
2.08
